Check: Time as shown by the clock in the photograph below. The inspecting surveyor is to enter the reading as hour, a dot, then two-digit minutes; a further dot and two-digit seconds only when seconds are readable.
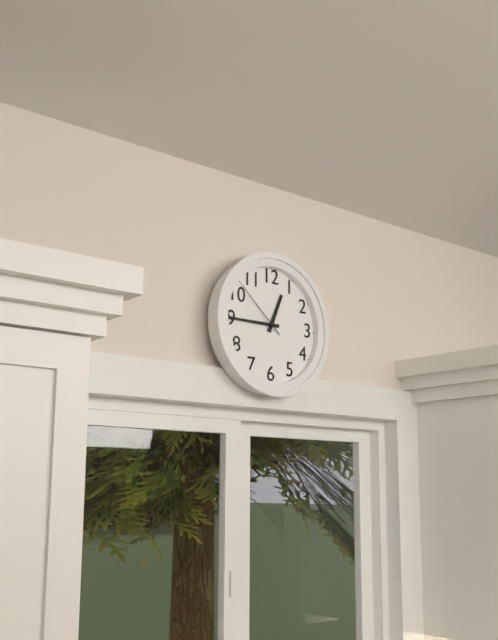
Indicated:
12.45.52
